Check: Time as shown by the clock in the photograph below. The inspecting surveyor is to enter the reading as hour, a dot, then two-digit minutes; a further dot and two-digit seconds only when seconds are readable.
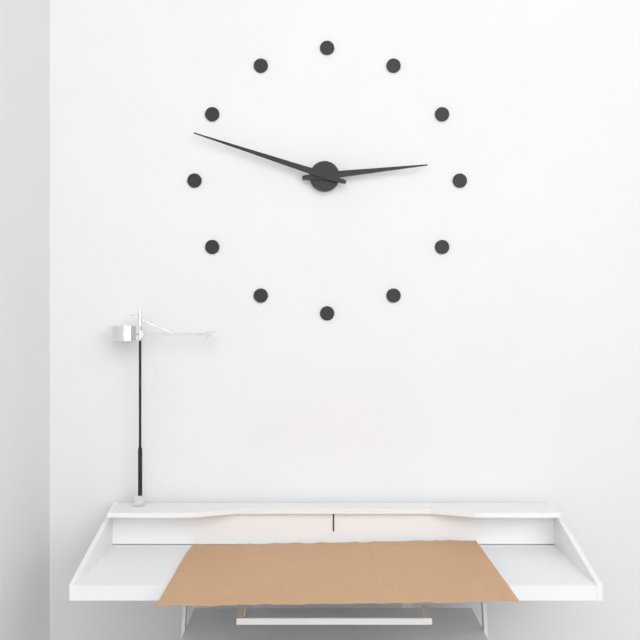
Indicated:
2.48
